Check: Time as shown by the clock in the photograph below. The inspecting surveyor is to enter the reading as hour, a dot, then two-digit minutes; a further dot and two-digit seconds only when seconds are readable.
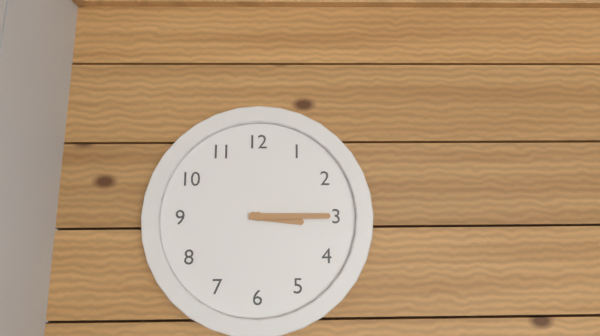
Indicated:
3.15
